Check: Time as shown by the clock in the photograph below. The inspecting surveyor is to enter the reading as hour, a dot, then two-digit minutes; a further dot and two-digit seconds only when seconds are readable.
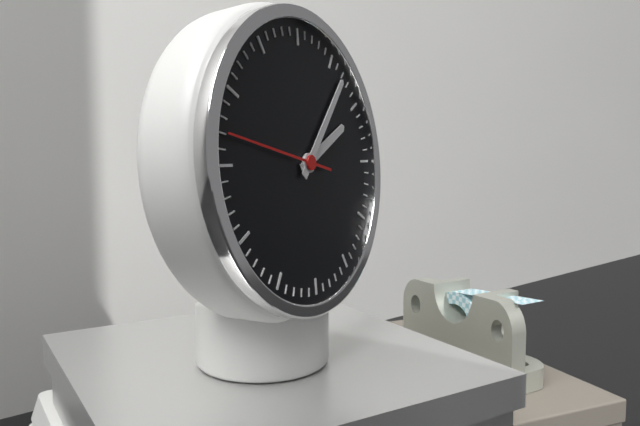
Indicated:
2.07.47
